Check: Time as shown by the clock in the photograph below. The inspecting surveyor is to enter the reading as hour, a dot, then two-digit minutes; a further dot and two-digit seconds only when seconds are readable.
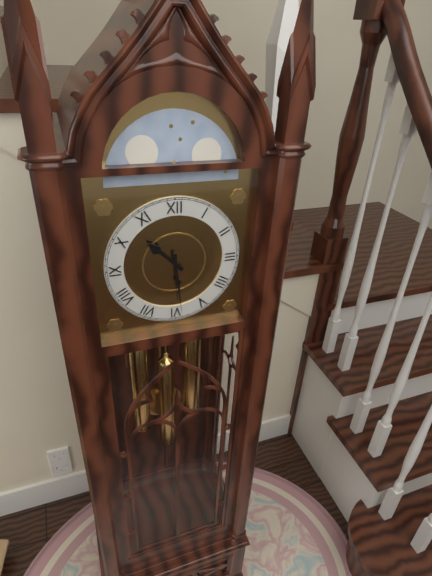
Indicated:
10.29
